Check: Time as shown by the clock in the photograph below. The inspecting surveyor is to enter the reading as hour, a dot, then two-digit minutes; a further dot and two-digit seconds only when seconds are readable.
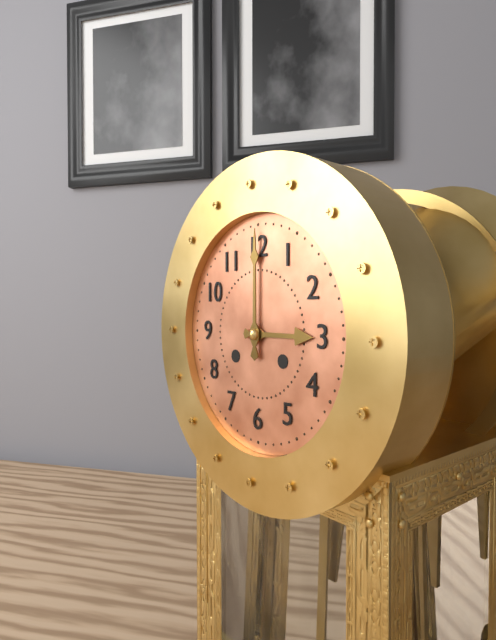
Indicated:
3.00
